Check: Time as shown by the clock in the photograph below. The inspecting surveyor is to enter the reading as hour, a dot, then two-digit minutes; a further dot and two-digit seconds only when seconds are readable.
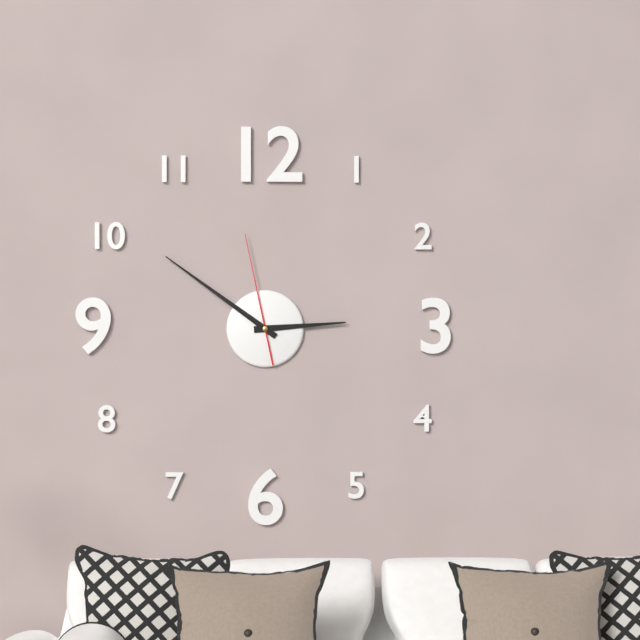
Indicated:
2.51.58
